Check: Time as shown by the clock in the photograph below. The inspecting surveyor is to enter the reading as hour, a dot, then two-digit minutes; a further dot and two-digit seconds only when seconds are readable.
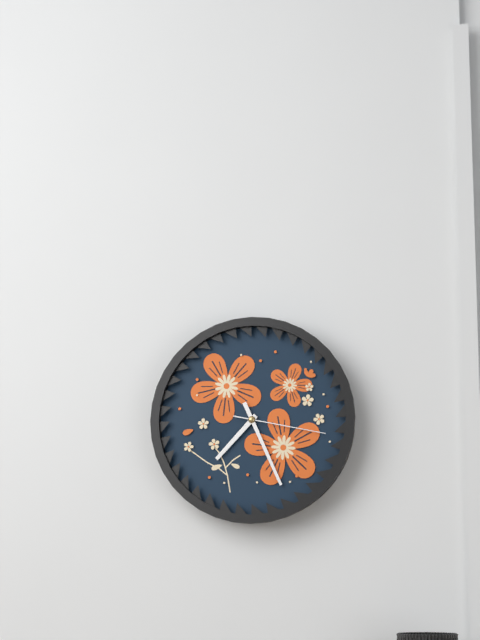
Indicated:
7.26.17
